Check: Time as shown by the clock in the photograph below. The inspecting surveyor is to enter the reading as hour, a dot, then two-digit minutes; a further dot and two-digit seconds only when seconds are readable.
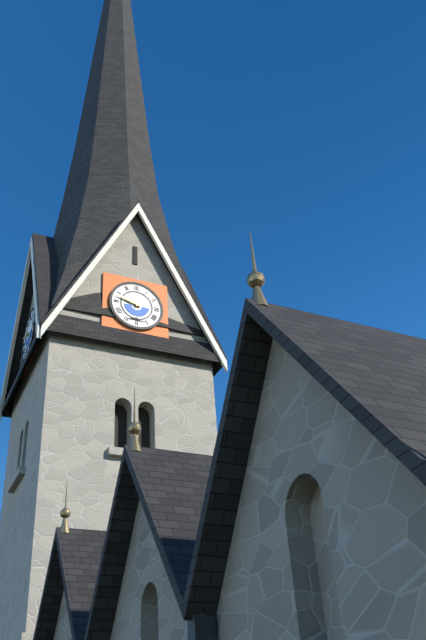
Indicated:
9.48
